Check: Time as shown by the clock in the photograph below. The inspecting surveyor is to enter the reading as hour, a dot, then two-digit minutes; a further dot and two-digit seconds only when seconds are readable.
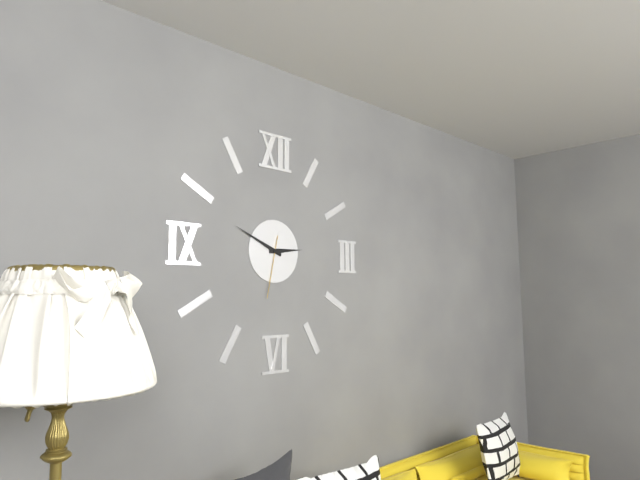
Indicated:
2.49.32
